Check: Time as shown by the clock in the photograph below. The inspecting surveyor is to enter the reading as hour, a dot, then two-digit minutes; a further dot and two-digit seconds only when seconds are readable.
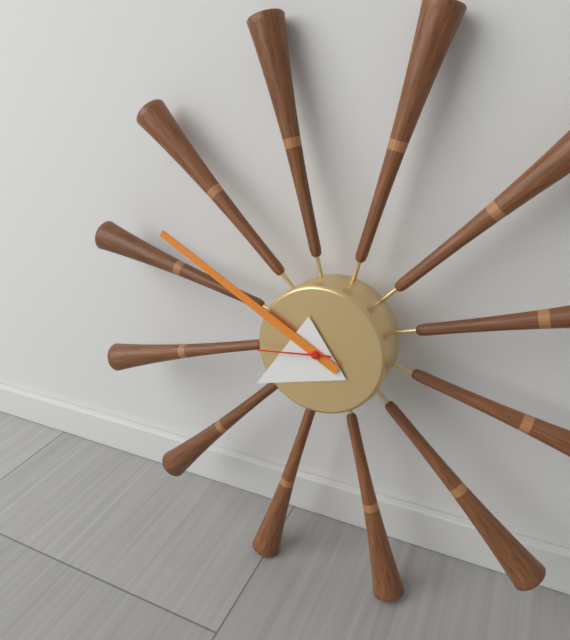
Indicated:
7.50.44
